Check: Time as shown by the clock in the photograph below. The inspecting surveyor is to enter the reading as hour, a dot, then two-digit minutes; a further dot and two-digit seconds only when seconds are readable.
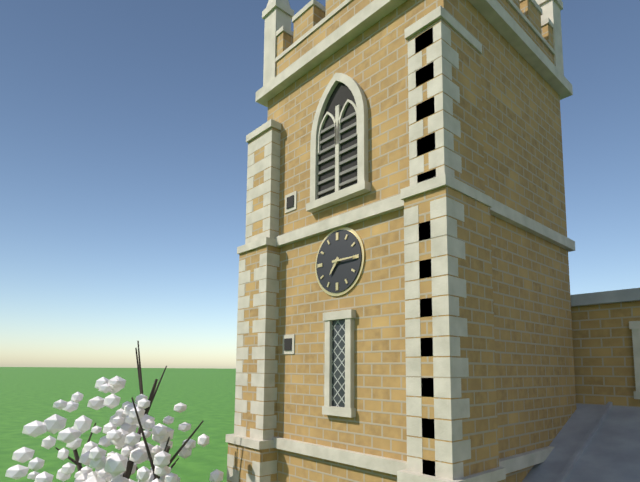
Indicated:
7.15
